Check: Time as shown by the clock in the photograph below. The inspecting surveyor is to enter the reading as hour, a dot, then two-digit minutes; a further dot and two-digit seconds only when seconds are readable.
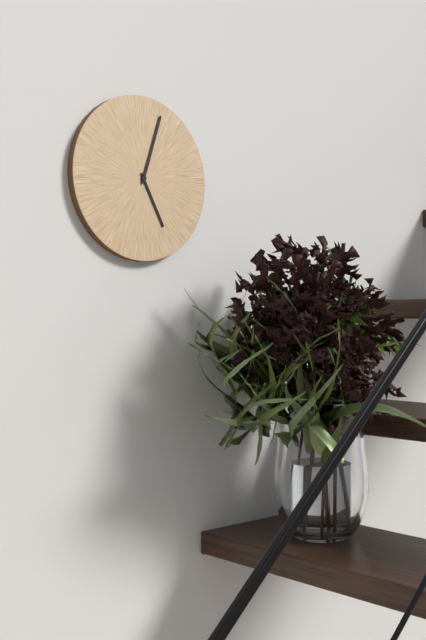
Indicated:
5.03
